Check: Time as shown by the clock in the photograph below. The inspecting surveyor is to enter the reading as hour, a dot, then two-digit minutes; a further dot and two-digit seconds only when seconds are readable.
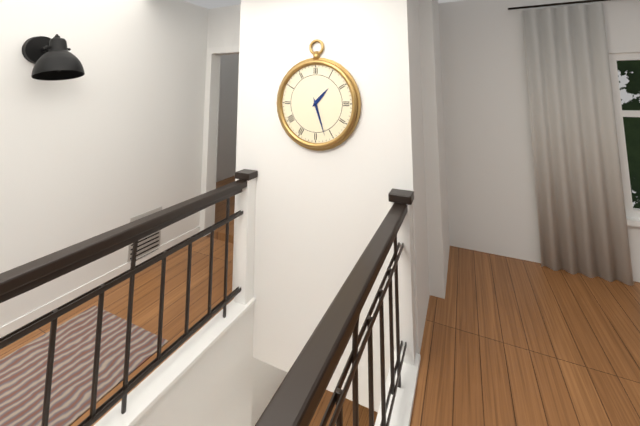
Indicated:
1.27
